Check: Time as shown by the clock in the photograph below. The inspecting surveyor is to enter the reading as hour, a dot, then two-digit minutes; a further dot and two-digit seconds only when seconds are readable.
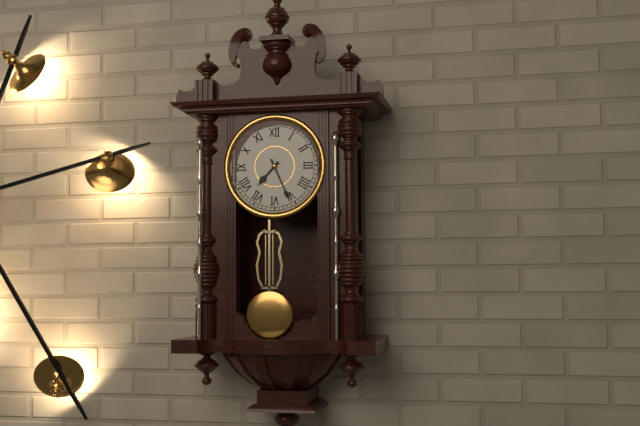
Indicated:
7.26
